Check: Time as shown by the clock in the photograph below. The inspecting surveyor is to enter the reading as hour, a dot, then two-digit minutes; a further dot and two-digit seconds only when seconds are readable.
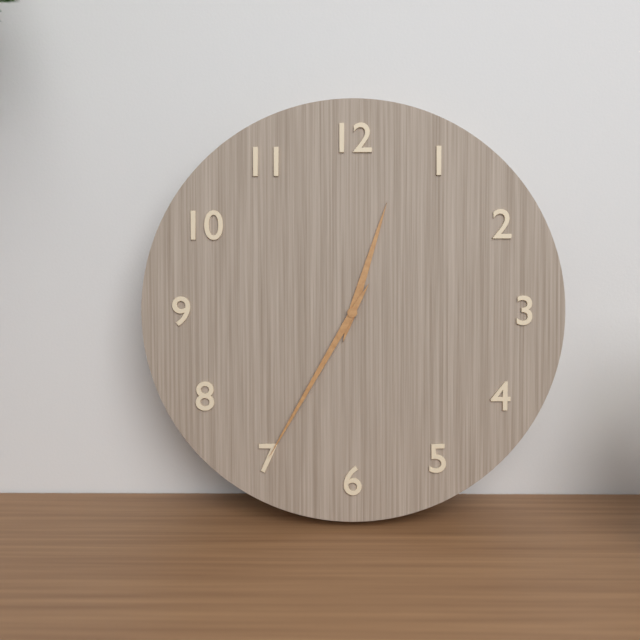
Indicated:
12.35
